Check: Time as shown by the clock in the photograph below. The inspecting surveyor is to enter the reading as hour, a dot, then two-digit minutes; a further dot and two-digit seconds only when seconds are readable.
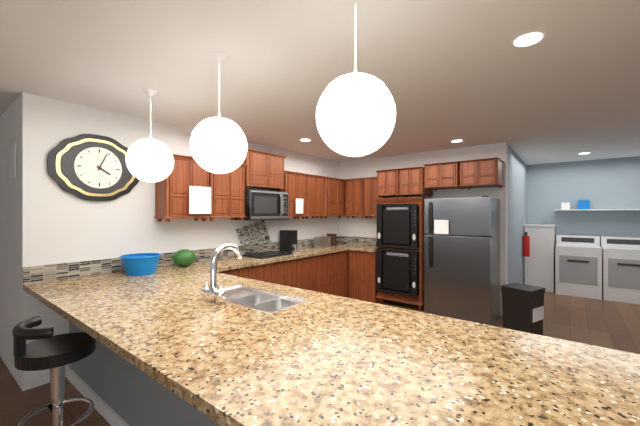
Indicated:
4.04
